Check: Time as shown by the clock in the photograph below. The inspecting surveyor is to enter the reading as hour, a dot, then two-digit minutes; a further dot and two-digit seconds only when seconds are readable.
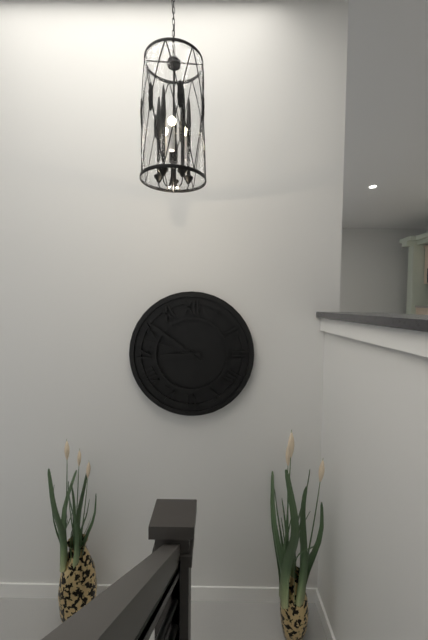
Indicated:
8.51.48
